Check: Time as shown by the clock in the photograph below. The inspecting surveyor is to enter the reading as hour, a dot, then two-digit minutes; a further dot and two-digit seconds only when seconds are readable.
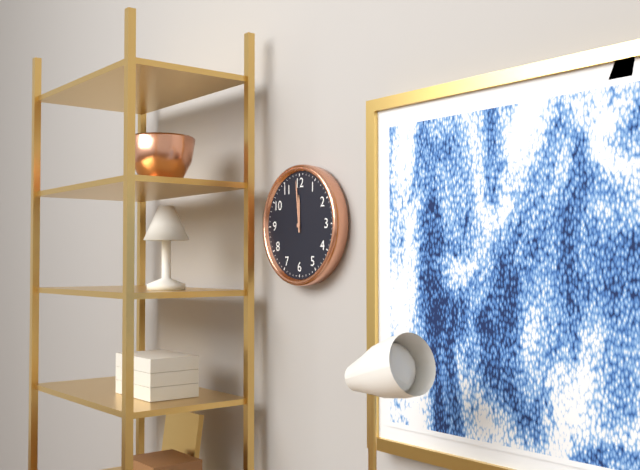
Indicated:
11.59
